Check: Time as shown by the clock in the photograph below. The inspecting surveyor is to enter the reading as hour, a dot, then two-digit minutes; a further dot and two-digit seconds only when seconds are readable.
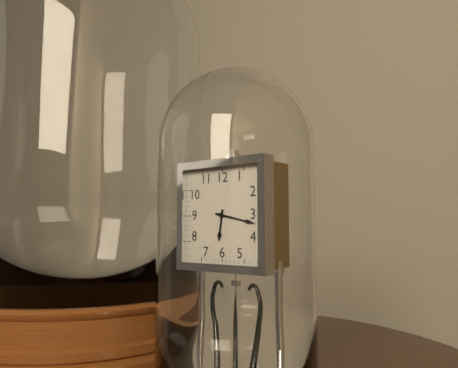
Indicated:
6.17
